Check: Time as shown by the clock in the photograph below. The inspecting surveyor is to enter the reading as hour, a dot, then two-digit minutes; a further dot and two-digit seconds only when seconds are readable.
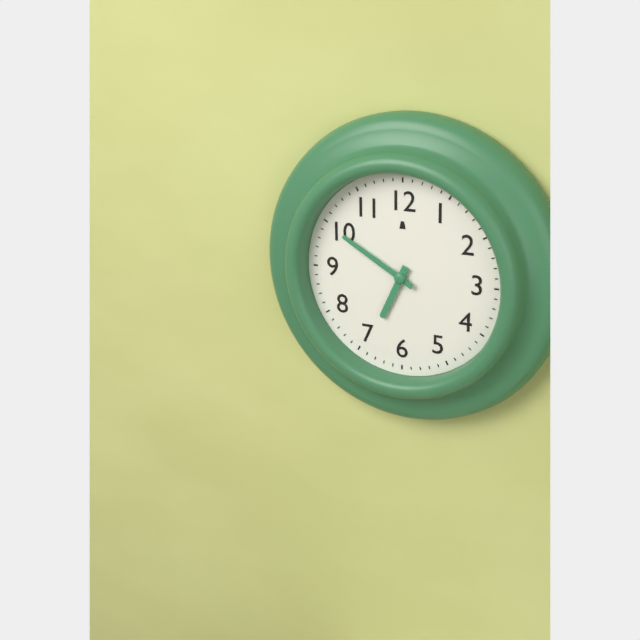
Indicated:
6.50
